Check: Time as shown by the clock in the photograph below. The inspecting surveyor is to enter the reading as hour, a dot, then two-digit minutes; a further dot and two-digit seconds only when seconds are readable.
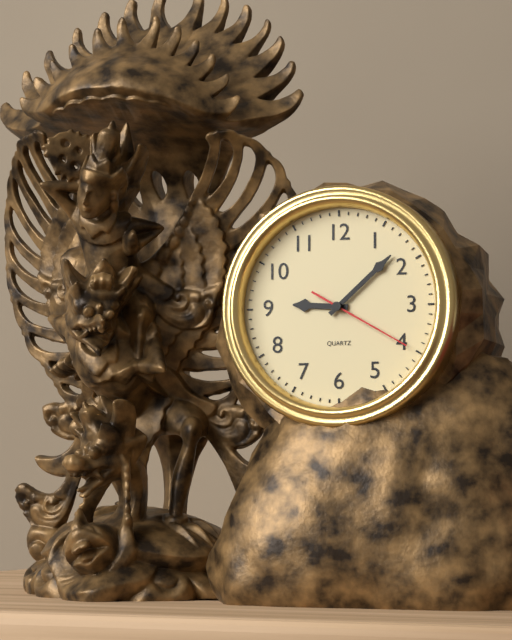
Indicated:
9.08.20
